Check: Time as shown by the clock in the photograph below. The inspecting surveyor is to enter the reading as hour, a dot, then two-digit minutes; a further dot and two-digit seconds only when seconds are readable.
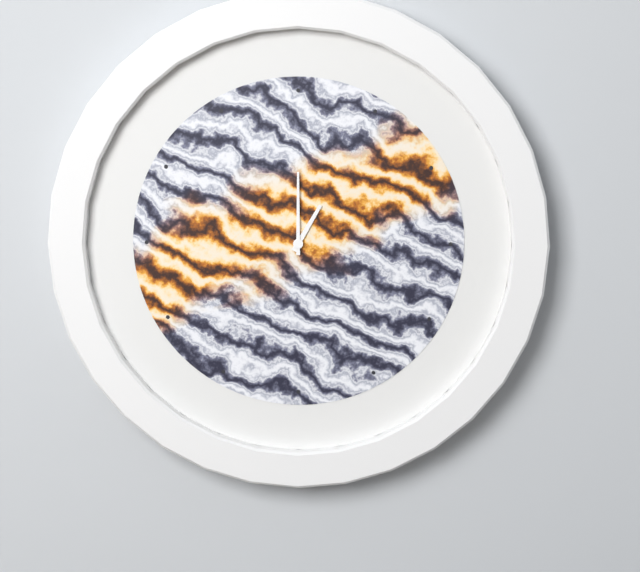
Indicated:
1.00
